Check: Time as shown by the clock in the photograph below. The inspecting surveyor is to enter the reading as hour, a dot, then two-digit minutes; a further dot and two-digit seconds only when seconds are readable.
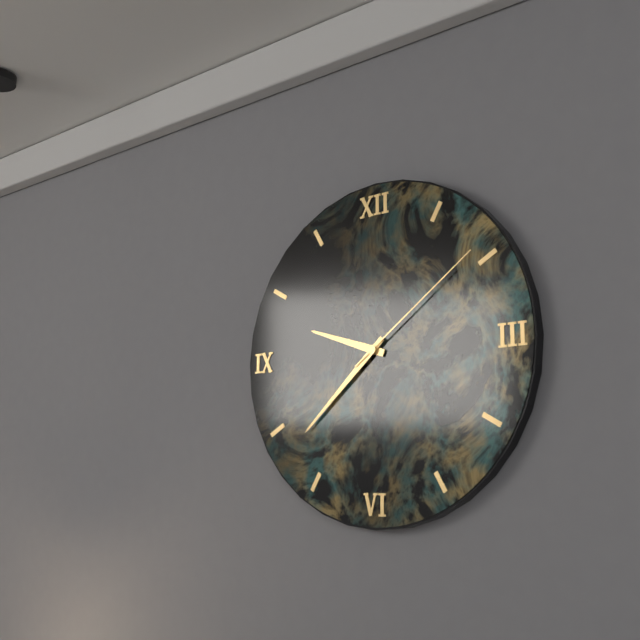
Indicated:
9.38.09
